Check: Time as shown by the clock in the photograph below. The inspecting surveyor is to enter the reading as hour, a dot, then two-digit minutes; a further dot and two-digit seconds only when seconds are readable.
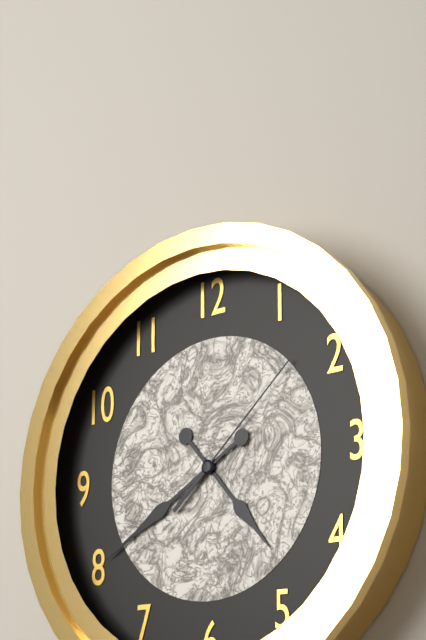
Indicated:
4.40.08
